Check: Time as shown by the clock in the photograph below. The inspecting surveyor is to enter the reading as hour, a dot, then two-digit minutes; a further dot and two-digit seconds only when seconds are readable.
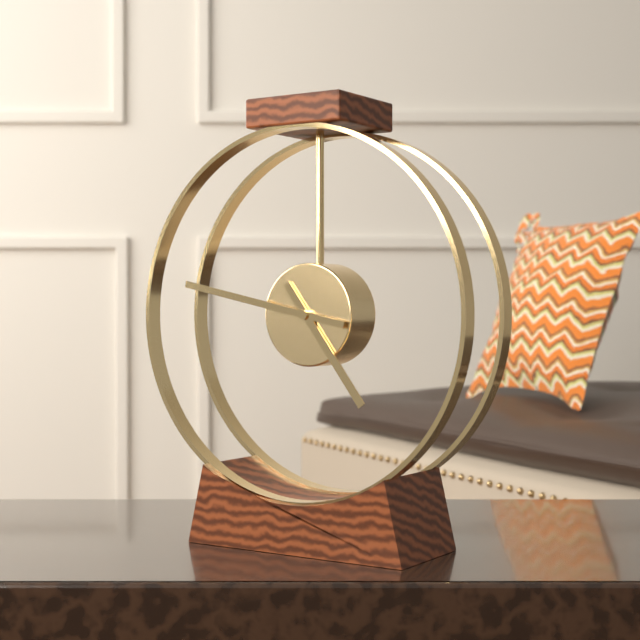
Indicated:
4.47
